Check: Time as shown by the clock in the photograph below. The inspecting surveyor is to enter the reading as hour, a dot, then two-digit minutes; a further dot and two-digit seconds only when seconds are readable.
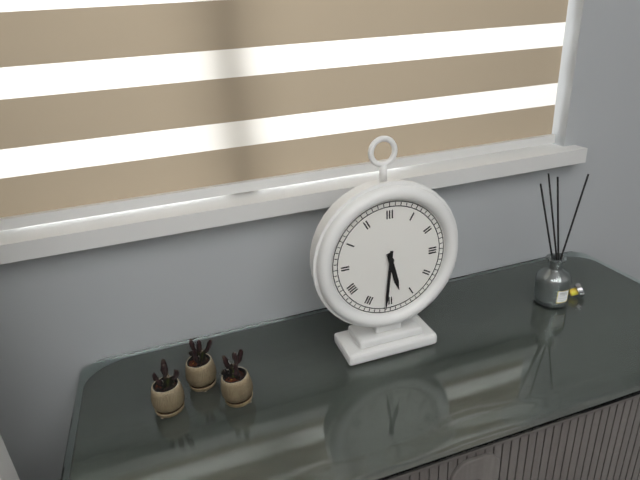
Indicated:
5.31
